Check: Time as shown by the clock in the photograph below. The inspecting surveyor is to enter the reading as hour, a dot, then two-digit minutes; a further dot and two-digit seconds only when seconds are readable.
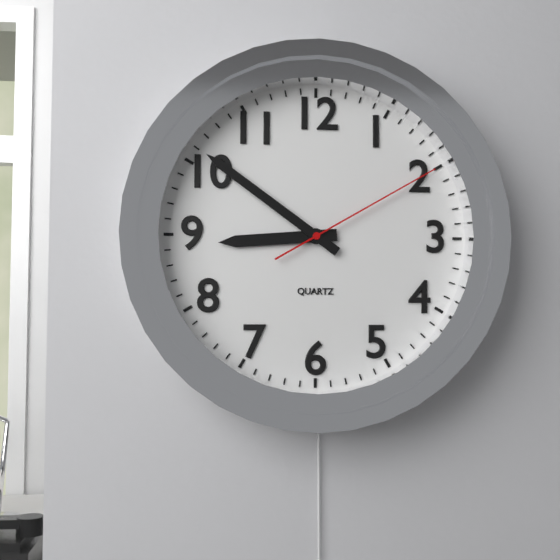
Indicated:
8.51.10
